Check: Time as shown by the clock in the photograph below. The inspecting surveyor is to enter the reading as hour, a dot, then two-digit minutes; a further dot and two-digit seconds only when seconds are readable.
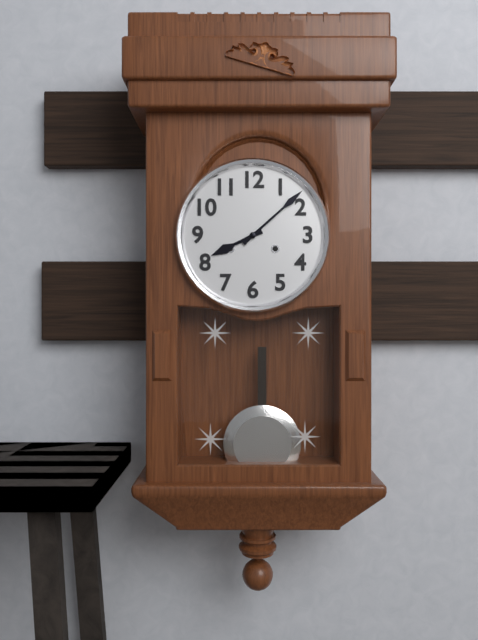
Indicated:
8.08
